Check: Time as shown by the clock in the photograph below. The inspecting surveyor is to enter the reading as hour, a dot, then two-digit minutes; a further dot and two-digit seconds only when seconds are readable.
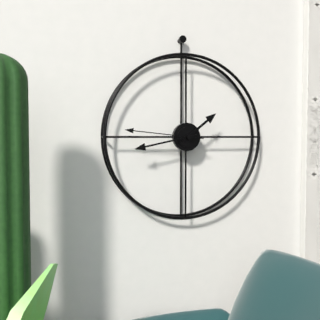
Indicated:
1.43.46
